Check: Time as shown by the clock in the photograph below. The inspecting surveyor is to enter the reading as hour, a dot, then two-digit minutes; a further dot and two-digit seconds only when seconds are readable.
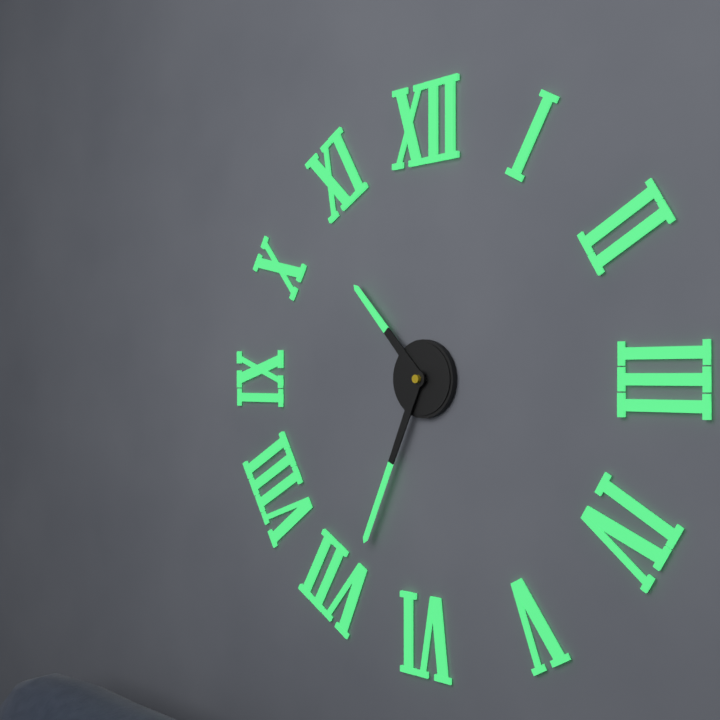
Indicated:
10.34
